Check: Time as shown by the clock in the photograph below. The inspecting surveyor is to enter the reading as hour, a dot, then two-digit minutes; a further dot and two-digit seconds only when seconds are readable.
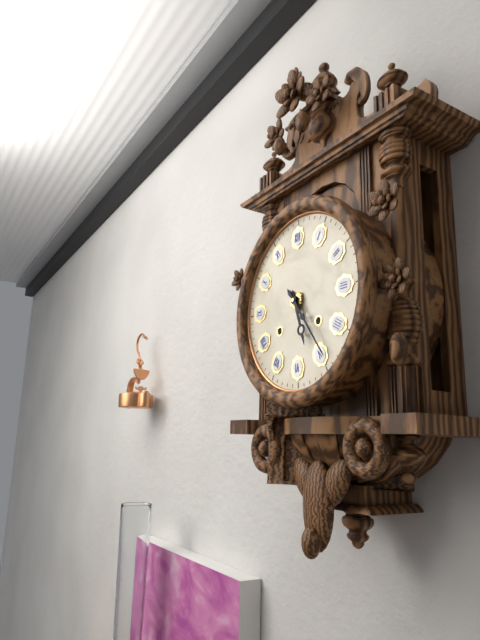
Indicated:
5.24
